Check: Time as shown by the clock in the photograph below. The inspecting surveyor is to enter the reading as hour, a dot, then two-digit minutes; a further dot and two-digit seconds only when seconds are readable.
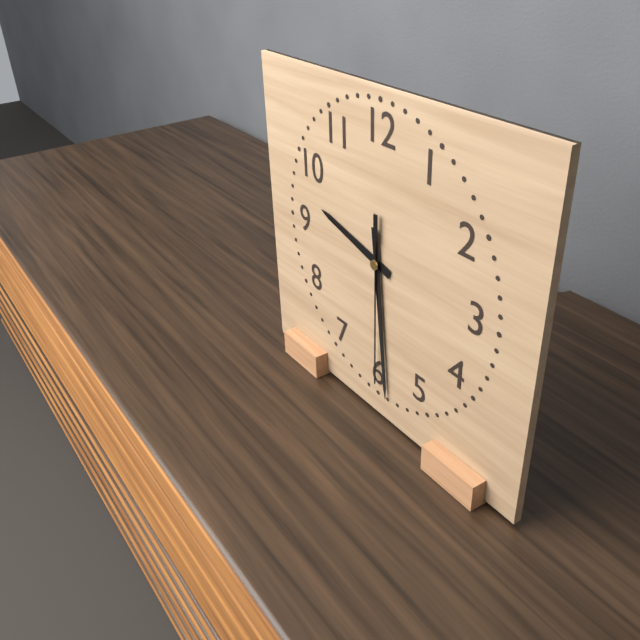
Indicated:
9.29.30
